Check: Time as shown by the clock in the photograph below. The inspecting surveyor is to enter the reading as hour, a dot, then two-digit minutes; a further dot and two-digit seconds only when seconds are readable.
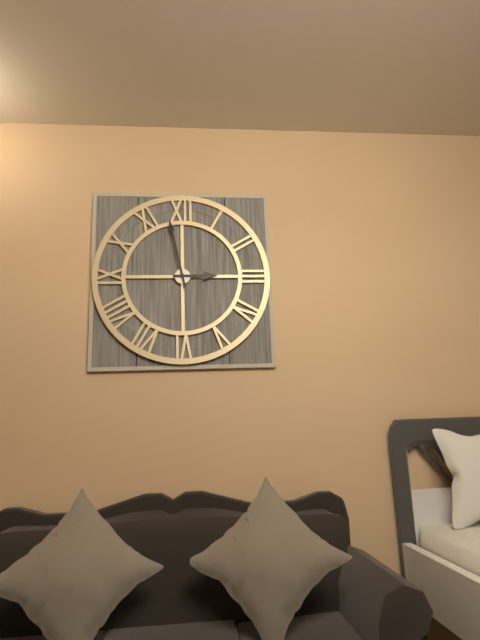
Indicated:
2.58
